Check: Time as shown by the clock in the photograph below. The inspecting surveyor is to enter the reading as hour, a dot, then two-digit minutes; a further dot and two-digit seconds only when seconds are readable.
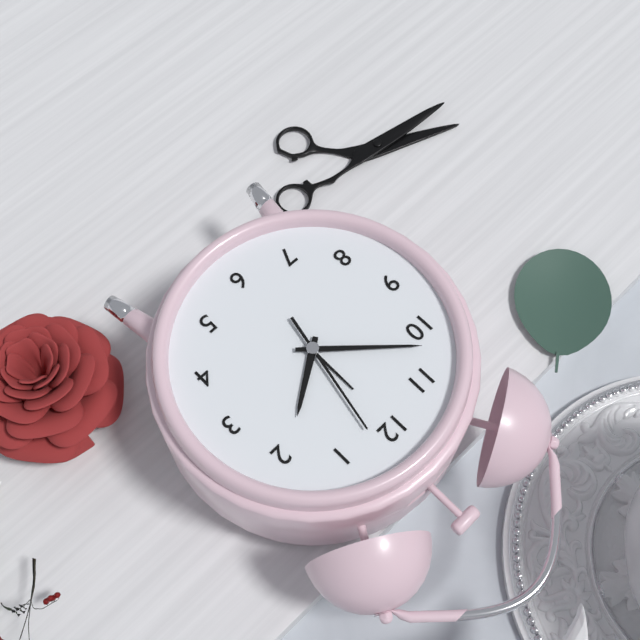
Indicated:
1.52.02
